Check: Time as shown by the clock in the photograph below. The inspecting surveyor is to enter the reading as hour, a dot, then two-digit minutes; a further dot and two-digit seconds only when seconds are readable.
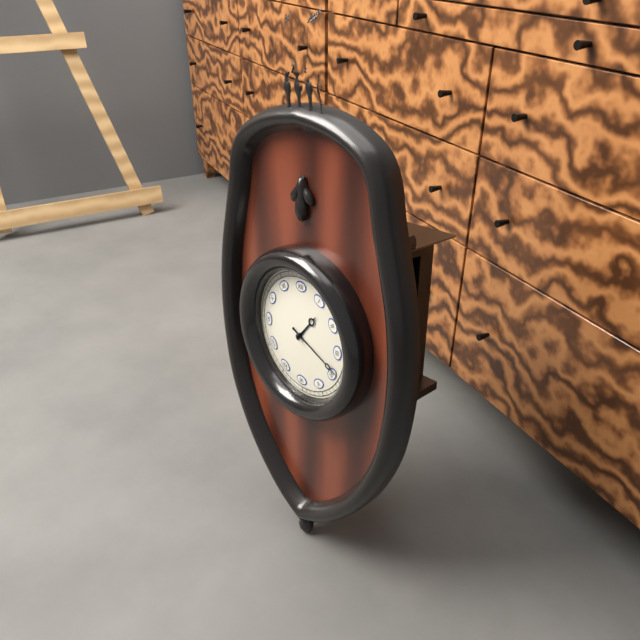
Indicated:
1.19
